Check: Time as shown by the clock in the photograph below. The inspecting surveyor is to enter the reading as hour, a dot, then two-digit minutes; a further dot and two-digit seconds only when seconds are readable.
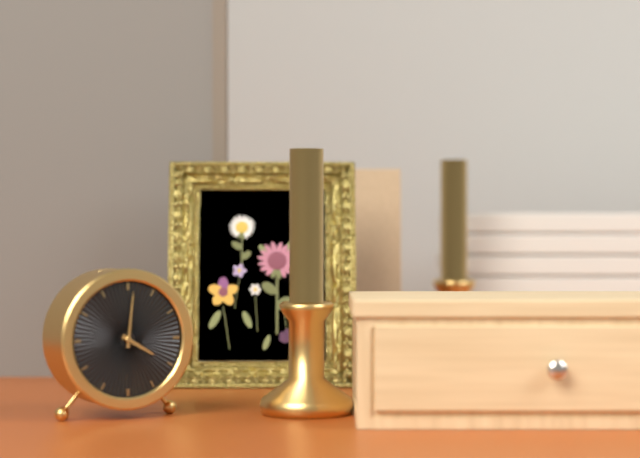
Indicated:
4.01
